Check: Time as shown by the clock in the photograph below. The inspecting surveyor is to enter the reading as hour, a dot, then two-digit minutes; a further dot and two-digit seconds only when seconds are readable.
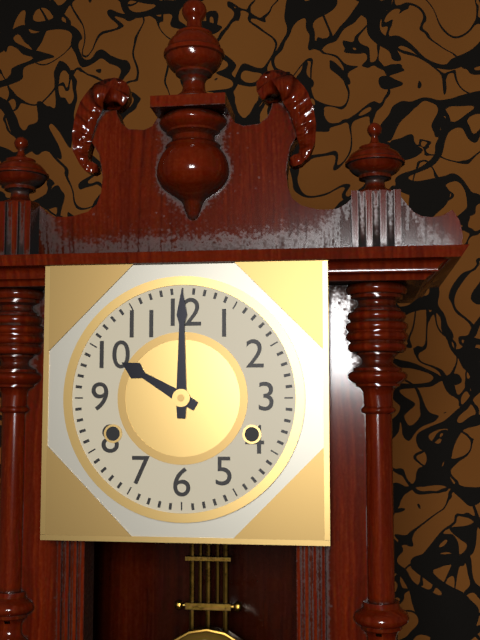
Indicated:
10.00
